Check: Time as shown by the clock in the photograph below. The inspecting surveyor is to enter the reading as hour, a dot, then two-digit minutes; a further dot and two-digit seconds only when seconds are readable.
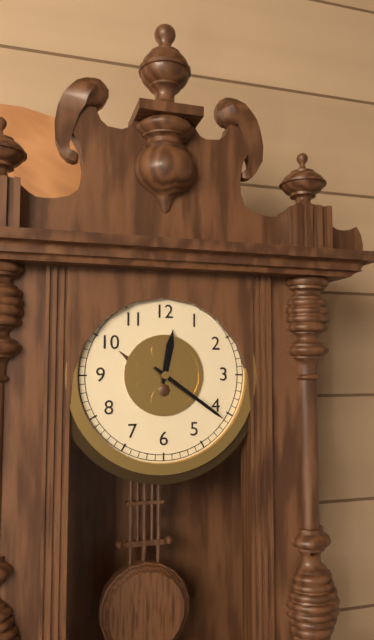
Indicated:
12.21
